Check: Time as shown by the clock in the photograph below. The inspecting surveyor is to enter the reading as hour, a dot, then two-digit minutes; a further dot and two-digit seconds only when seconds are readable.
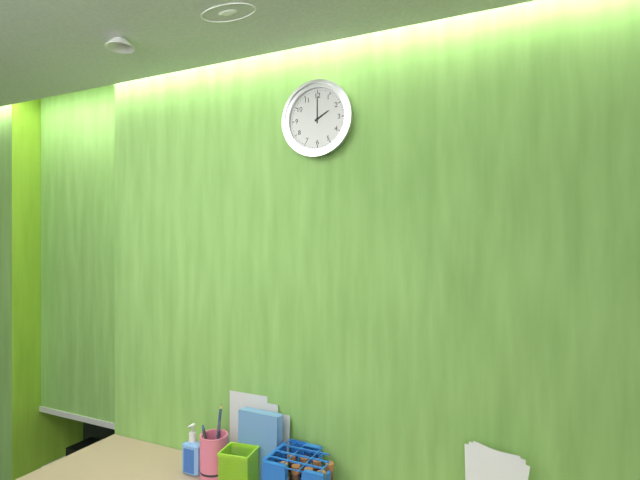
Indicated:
2.00
